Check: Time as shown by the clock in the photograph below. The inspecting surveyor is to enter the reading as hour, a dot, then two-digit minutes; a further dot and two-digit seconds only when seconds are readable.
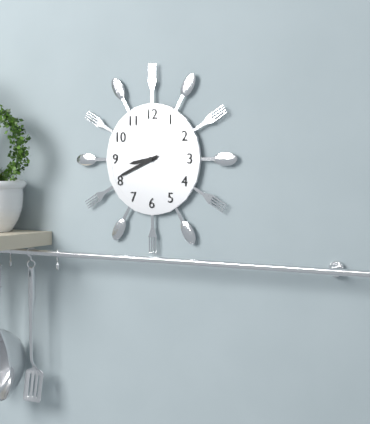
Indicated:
8.41
